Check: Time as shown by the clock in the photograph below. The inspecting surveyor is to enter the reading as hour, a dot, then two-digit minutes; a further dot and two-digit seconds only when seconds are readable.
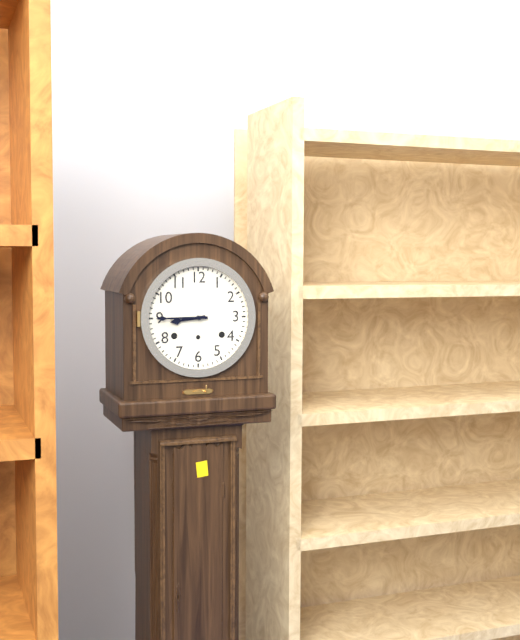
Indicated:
8.45
